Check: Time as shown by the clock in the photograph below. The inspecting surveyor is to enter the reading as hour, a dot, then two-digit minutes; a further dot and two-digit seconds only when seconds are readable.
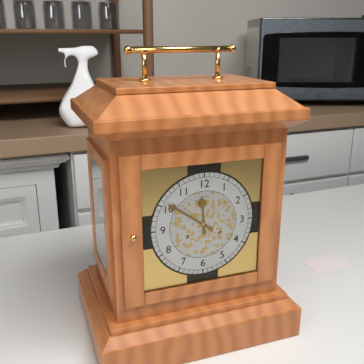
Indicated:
11.51
